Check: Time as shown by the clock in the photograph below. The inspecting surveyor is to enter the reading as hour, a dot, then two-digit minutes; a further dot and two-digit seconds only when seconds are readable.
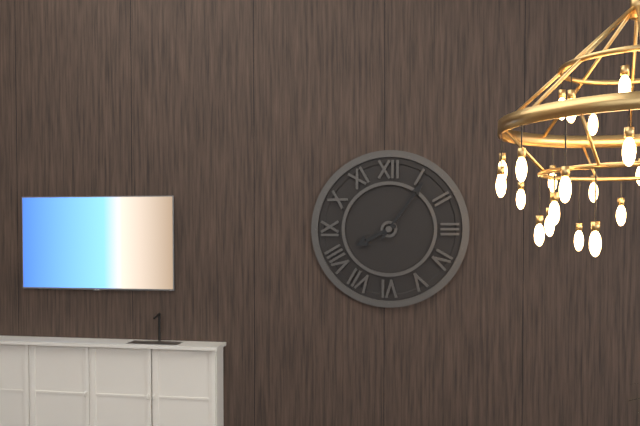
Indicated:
8.06
